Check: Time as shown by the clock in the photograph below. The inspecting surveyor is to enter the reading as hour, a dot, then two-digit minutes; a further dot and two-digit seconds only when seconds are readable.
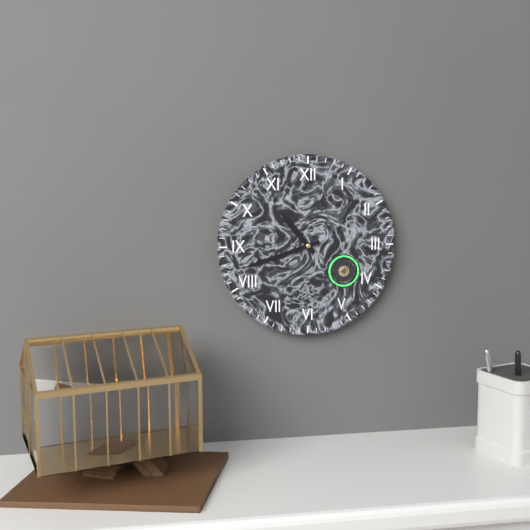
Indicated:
10.42
